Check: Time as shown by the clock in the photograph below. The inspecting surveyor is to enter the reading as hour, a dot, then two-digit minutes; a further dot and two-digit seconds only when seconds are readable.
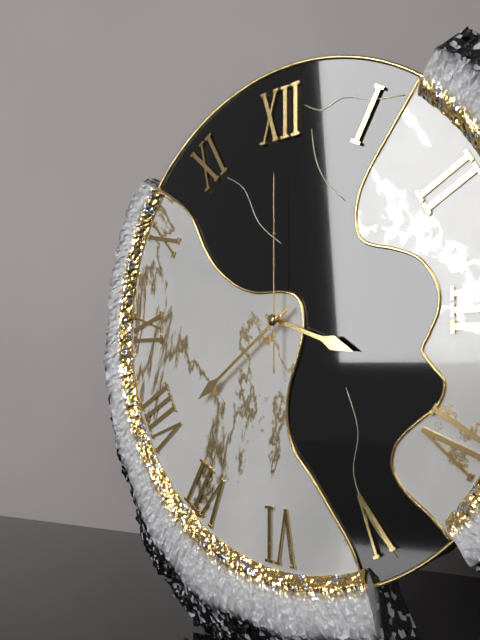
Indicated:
3.39.00
